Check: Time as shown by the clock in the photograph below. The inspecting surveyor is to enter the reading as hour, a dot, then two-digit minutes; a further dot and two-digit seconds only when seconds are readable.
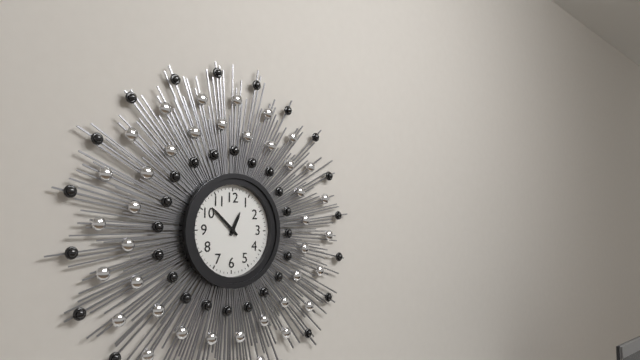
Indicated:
12.52
